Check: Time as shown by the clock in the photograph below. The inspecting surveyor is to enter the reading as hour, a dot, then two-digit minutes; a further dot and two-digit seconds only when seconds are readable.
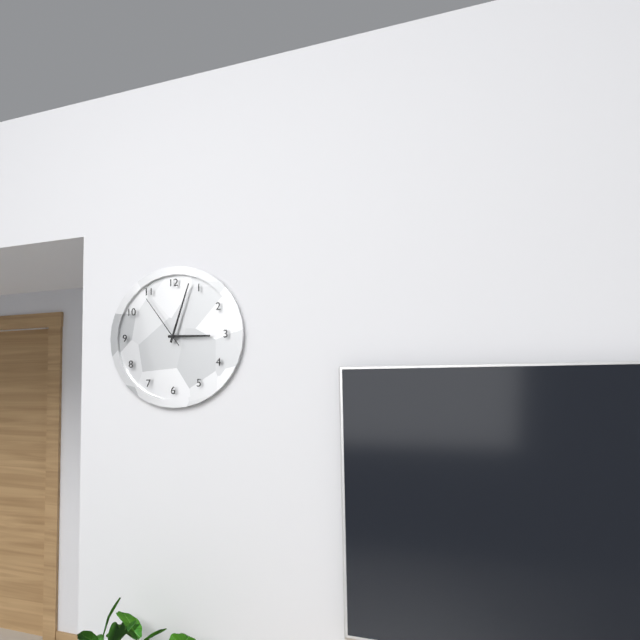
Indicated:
3.03.54
